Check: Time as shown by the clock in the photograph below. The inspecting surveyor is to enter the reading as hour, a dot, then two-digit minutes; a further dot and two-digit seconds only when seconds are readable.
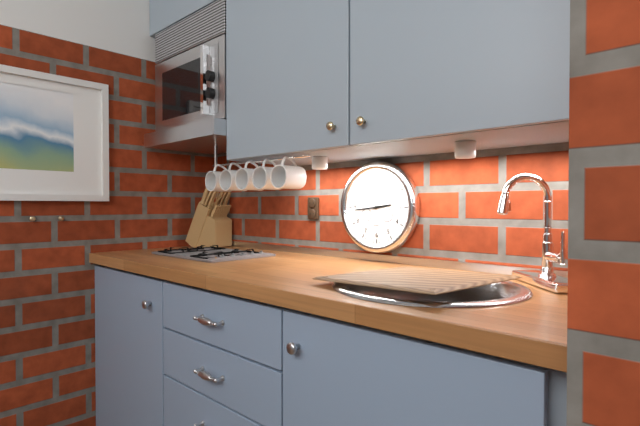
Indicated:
2.44
